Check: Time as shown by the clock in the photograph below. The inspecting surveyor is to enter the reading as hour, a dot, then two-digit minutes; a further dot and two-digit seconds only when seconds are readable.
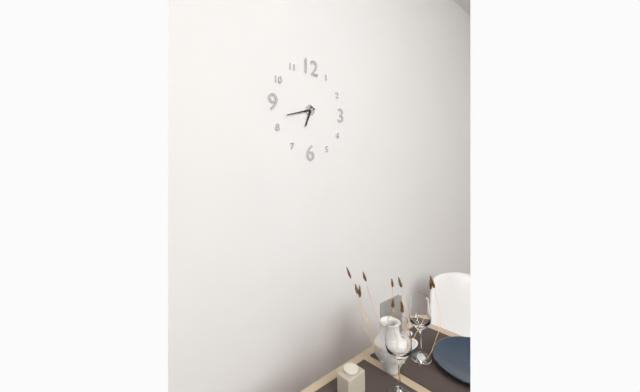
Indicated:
6.42
